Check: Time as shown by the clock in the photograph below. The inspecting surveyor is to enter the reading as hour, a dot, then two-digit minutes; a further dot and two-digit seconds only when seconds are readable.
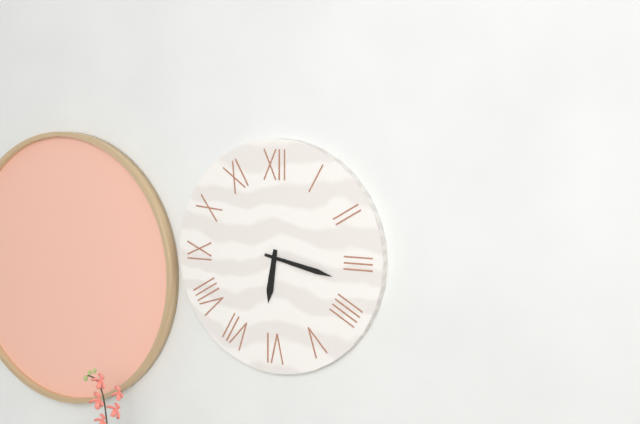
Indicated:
6.17
